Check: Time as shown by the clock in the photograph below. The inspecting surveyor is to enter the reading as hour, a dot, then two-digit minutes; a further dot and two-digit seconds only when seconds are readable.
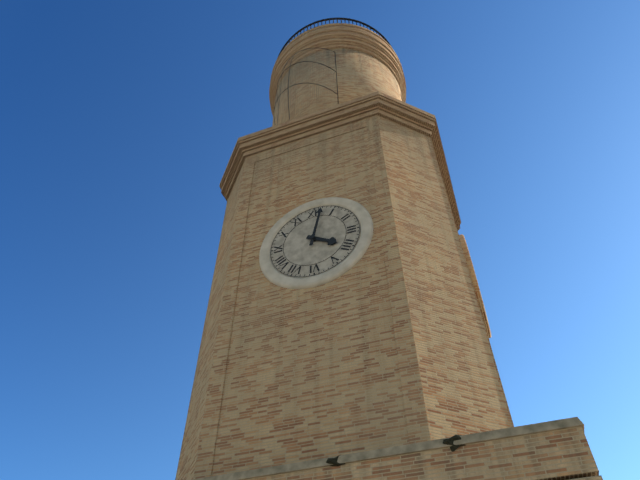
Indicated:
4.02
